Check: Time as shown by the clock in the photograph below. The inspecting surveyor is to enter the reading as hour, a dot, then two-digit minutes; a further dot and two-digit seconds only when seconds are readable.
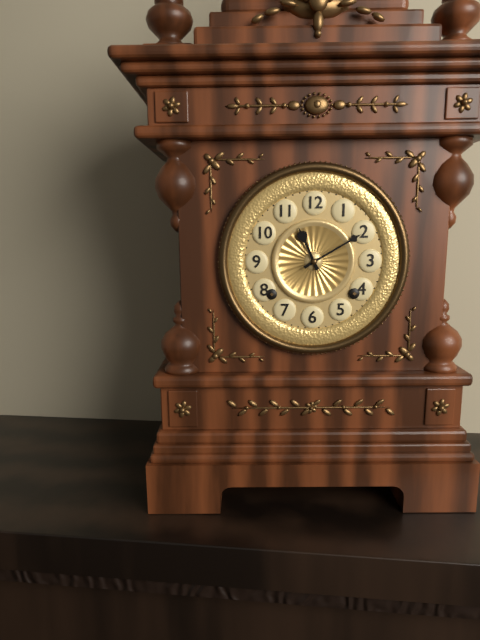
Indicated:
11.10
